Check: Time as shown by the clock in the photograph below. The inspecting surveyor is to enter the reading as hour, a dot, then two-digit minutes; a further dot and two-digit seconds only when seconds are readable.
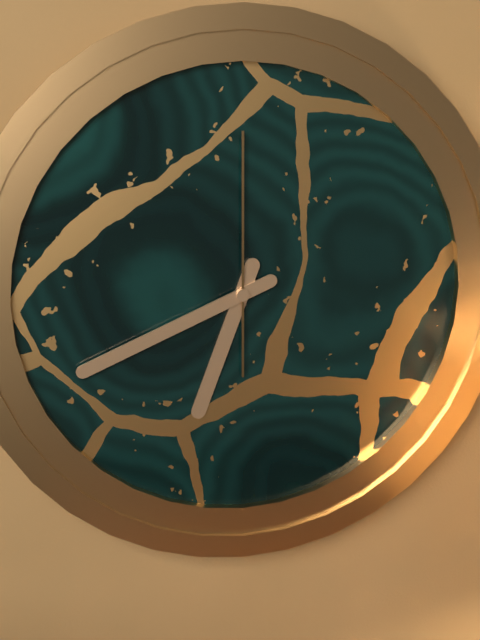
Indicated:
6.41.00
